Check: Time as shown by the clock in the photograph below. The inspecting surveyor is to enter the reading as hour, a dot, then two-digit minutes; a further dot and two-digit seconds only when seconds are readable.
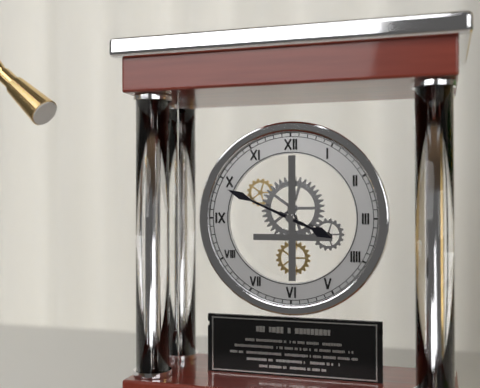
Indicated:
3.49
